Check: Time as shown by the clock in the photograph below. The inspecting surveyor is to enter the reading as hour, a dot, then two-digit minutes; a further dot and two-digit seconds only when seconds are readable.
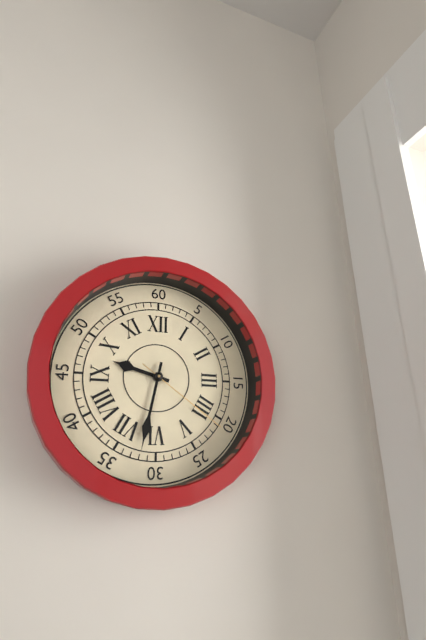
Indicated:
9.32.21
